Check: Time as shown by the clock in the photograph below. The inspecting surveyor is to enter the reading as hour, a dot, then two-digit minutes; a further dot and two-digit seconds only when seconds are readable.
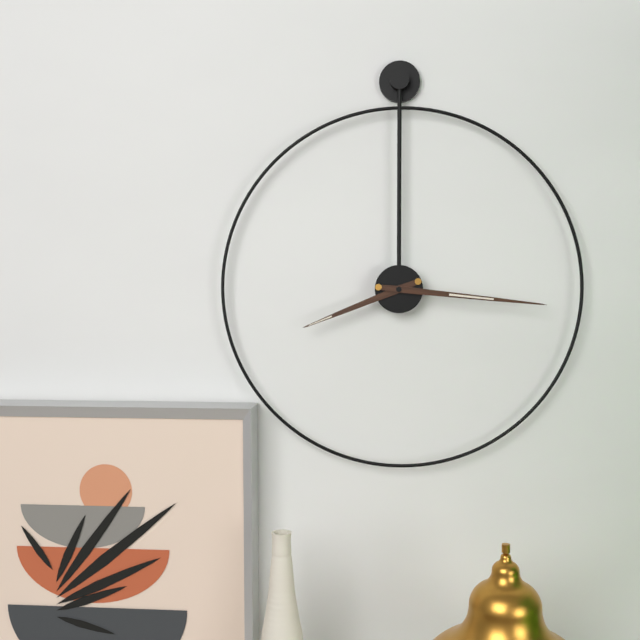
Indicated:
8.16
